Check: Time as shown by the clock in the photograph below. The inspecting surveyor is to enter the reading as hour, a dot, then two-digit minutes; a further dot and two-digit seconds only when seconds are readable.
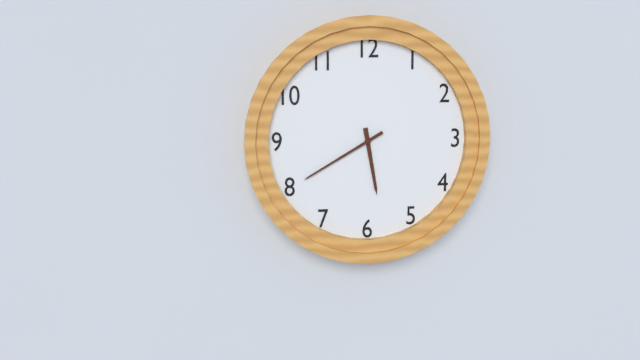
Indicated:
5.40
